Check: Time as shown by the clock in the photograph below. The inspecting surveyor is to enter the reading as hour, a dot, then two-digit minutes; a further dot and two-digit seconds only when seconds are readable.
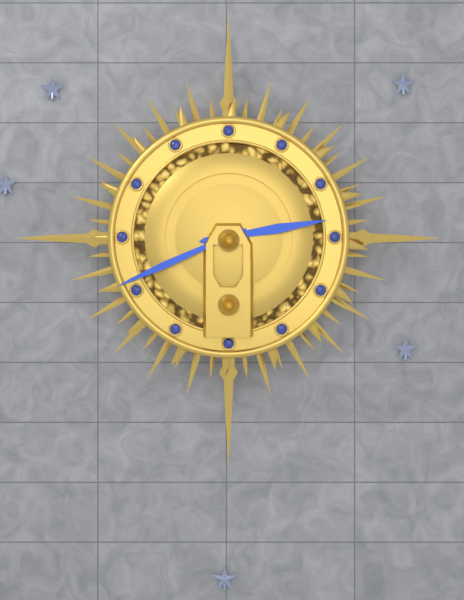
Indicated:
2.41
